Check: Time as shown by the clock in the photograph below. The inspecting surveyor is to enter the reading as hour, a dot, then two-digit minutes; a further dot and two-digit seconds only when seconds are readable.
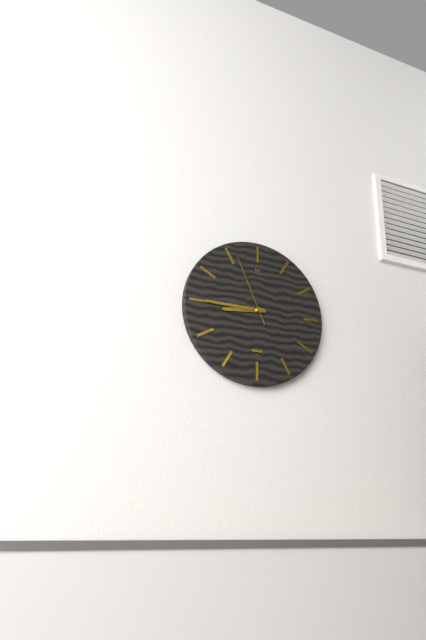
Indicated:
8.45.56
